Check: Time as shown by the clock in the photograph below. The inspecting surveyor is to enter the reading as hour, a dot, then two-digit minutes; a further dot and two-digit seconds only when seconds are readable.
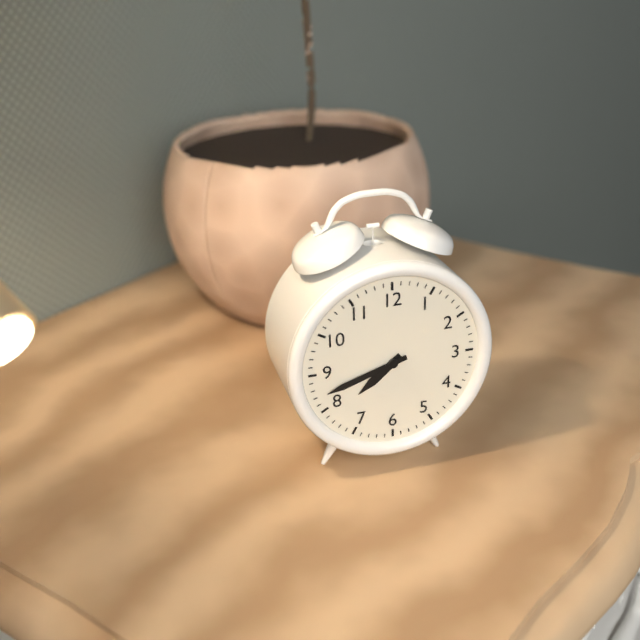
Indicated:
7.42
